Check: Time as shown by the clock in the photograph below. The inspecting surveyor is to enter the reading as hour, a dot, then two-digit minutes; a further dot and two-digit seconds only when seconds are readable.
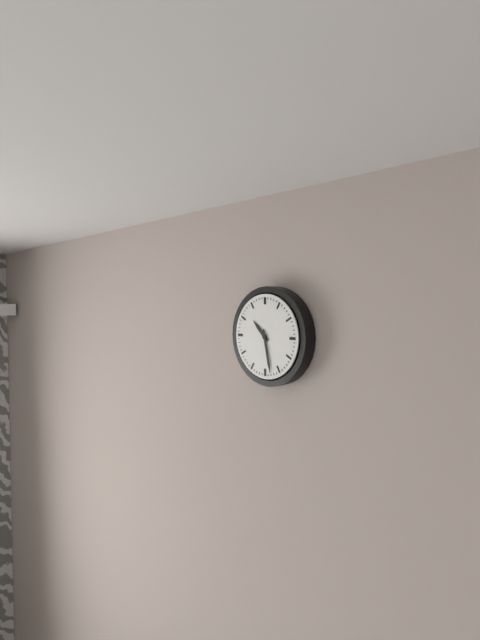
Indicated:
10.28
